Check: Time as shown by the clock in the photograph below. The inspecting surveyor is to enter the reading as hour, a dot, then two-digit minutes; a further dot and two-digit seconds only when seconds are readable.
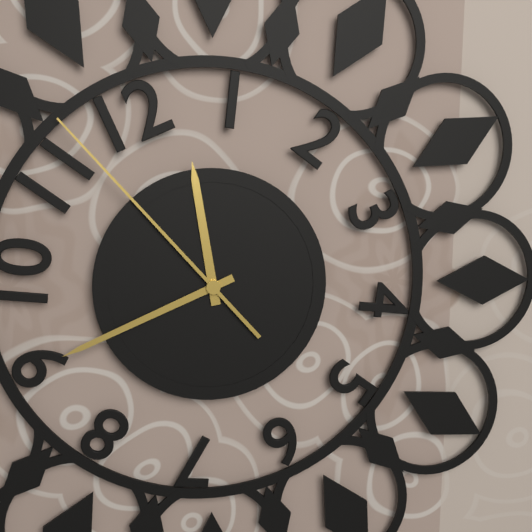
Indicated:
11.41.53
